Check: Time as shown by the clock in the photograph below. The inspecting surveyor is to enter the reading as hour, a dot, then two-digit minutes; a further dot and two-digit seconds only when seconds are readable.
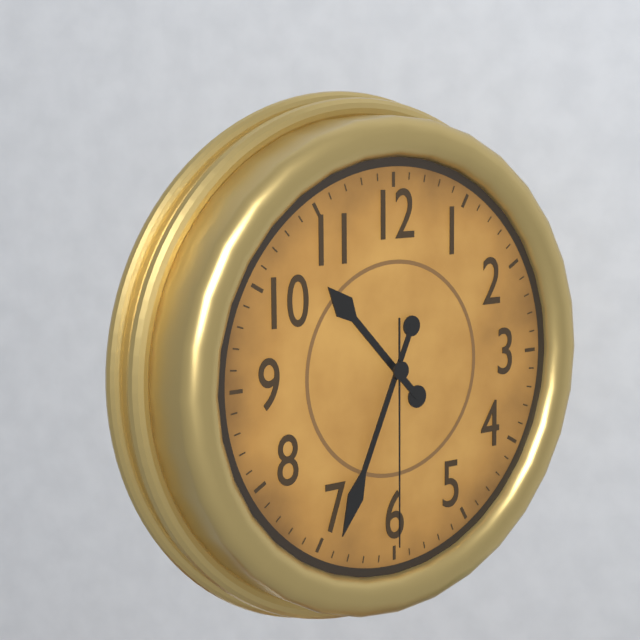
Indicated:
10.34.30
